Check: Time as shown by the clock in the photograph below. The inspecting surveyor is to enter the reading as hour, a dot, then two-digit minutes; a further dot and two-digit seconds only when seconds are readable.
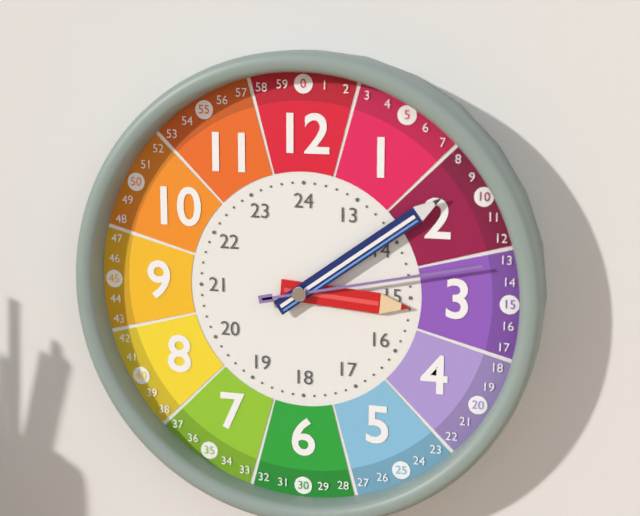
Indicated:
3.09.13
